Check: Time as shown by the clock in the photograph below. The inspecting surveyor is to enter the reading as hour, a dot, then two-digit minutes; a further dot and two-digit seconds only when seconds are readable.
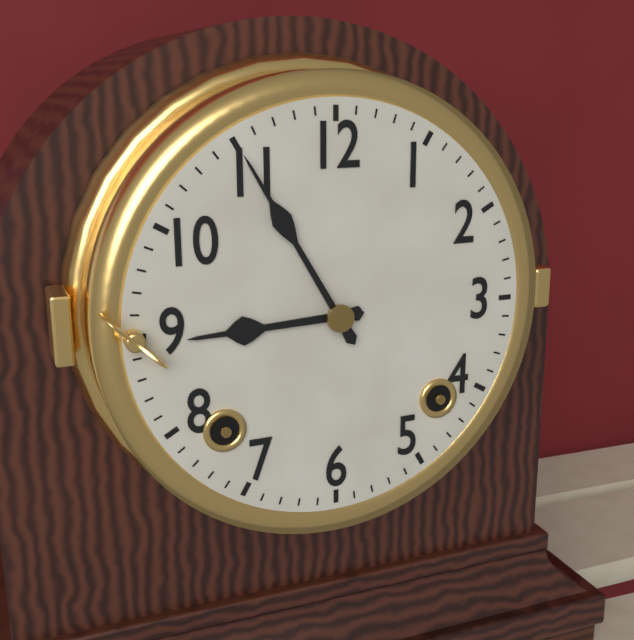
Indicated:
8.55
